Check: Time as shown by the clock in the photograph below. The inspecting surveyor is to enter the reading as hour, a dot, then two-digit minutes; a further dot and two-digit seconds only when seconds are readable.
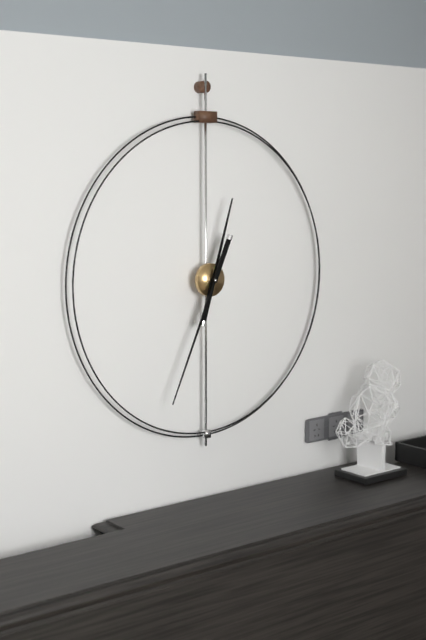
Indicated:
12.34
